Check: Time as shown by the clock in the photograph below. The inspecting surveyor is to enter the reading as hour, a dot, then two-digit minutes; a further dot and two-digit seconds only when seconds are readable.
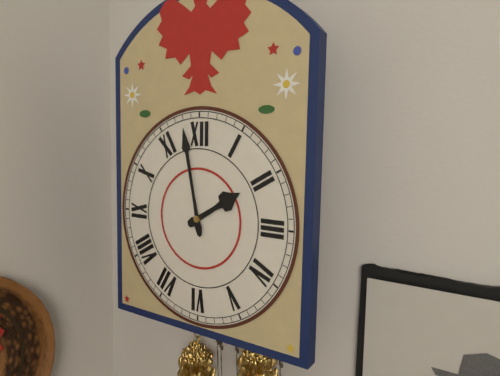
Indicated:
1.58
